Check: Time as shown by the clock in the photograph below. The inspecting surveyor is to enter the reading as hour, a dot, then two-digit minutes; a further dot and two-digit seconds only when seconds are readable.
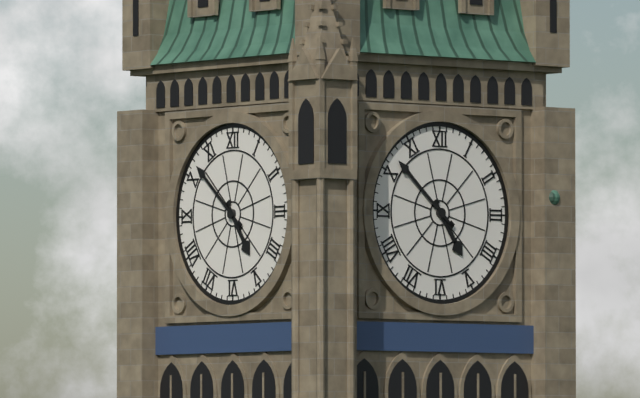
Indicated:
4.52
